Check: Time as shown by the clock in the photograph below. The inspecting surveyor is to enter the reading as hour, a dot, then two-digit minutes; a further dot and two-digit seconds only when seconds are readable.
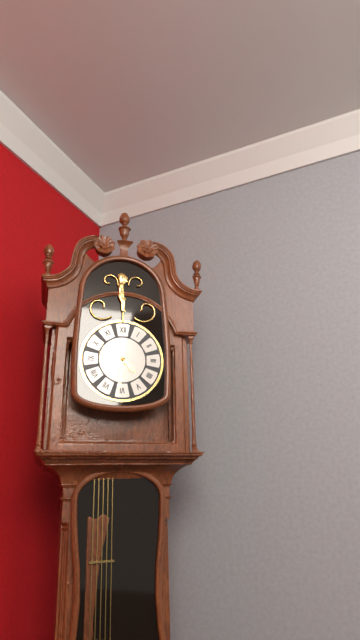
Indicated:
4.31
